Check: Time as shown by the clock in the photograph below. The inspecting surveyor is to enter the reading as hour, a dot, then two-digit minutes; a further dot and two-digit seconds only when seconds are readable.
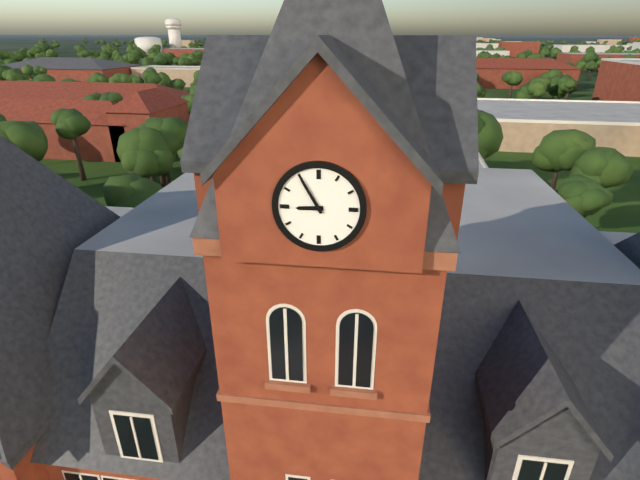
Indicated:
8.55
